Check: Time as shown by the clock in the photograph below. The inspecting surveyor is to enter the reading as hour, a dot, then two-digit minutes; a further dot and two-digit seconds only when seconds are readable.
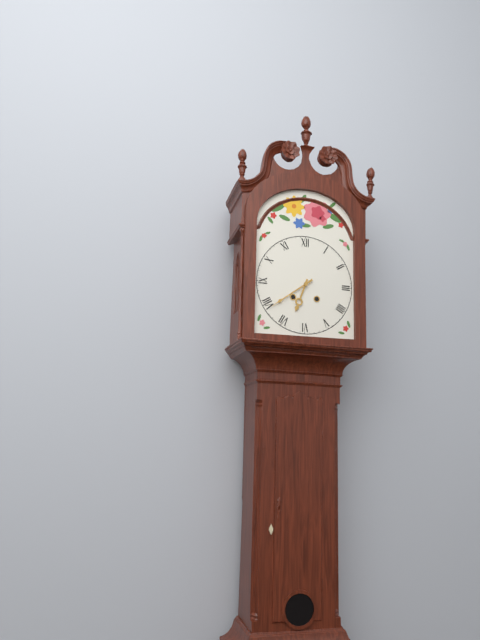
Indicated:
6.39
